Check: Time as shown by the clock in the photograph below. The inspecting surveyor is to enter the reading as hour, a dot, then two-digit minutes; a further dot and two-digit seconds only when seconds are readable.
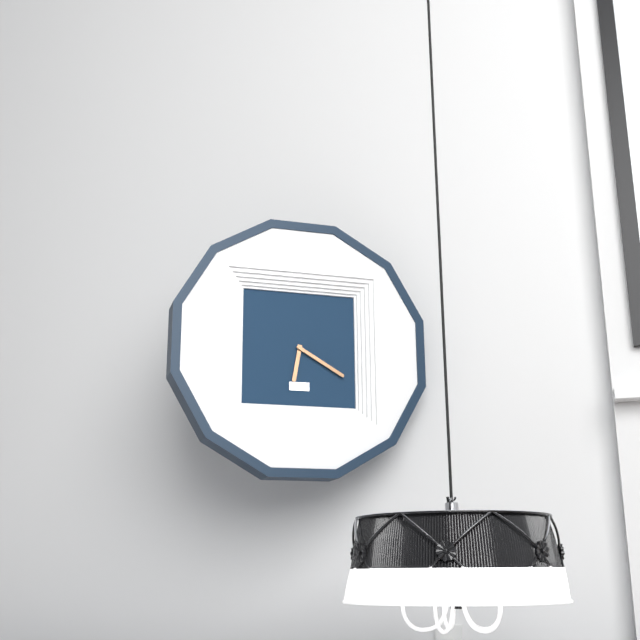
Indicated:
6.20
